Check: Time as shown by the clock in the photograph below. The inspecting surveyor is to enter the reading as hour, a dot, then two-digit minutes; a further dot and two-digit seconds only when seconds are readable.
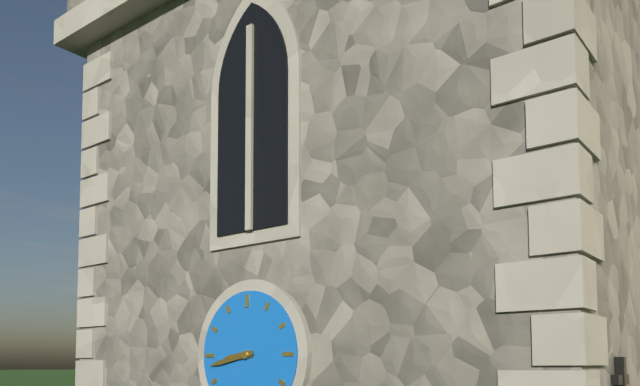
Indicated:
8.43
